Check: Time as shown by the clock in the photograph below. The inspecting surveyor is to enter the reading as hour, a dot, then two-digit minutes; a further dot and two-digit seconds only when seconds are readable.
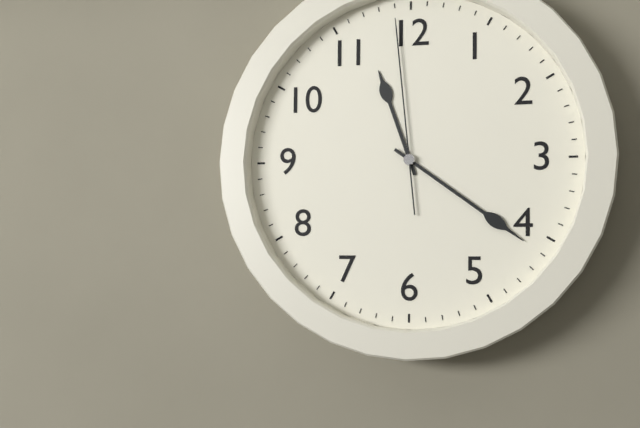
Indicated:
11.21.59
